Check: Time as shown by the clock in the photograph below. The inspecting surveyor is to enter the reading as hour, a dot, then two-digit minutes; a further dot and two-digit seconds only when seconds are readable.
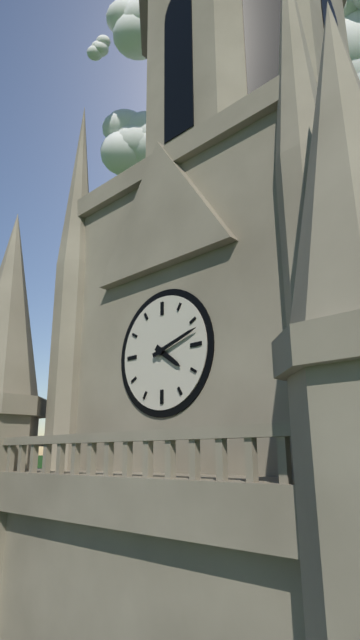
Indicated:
4.12
